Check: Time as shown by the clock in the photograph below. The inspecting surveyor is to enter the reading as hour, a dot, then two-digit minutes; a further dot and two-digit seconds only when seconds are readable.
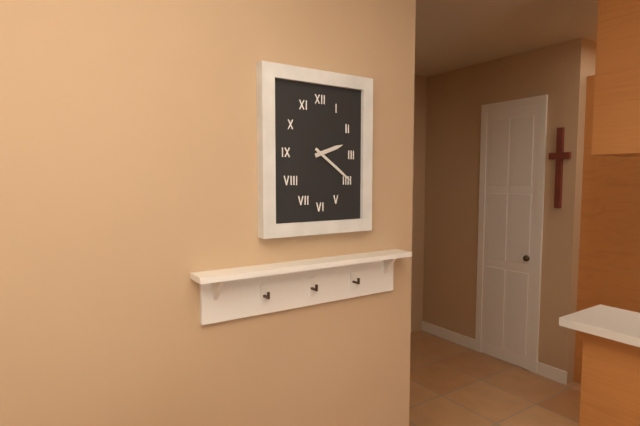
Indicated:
2.21
